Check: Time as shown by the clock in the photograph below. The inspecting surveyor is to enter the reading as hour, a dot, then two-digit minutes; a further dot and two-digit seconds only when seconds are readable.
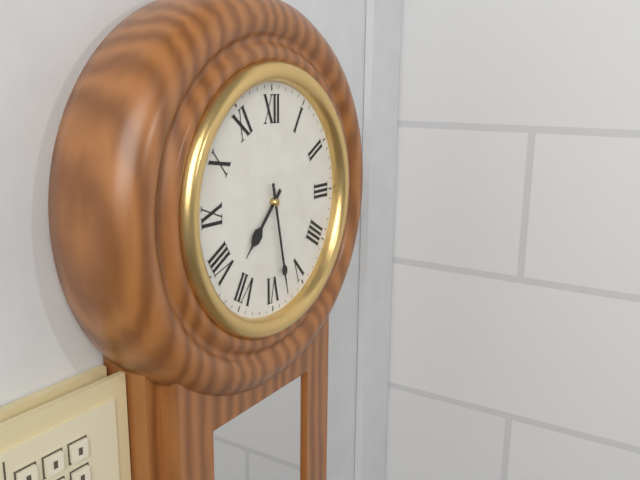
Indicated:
7.28
